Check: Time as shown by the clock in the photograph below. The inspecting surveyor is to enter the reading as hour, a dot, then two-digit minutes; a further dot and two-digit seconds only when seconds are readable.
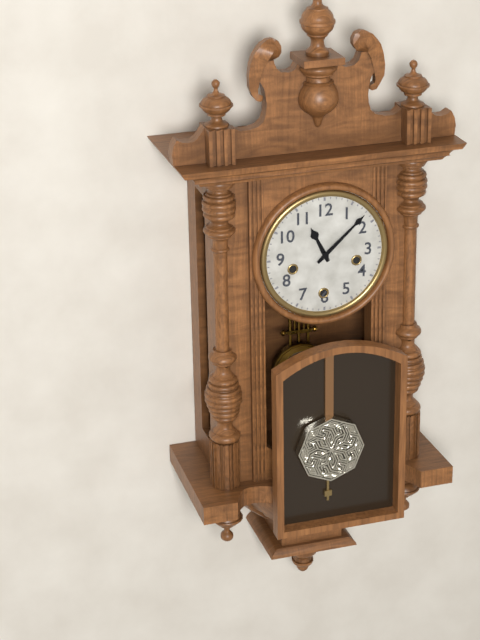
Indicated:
11.08
